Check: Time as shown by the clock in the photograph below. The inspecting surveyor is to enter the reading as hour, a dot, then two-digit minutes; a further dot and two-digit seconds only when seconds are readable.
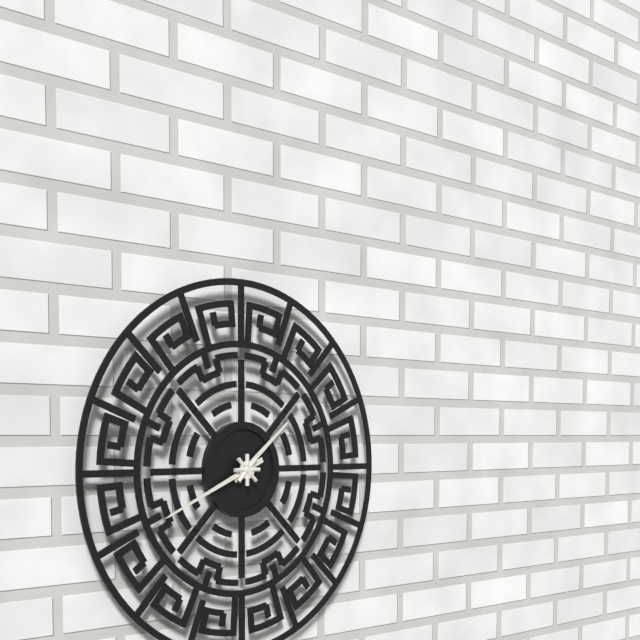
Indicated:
1.41
